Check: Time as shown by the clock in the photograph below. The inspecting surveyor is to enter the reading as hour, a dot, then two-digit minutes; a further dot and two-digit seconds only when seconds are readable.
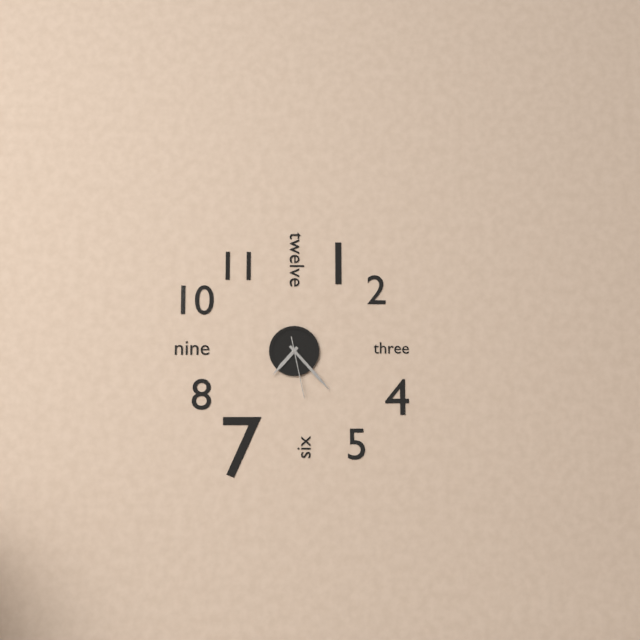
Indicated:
7.23.28
